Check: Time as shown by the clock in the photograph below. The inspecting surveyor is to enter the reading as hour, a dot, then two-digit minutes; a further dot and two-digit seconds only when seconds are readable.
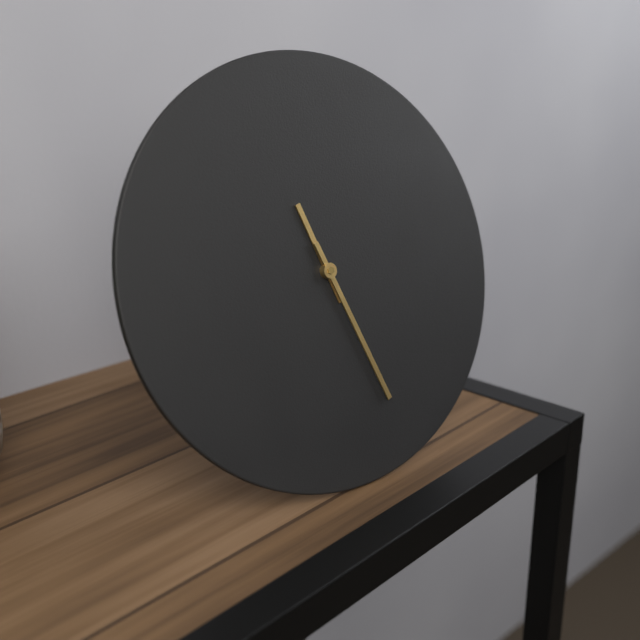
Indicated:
11.27
